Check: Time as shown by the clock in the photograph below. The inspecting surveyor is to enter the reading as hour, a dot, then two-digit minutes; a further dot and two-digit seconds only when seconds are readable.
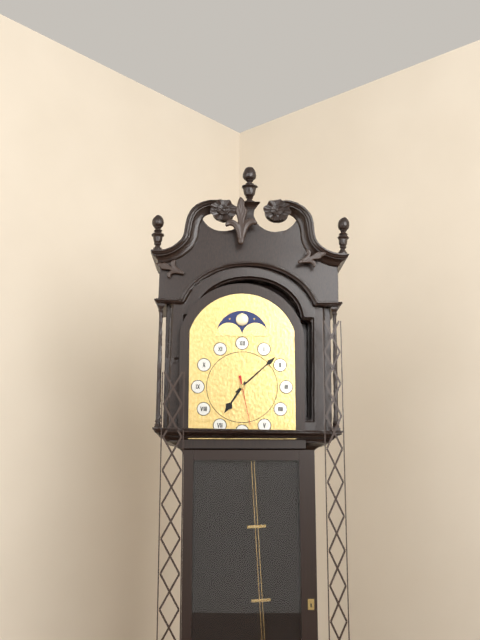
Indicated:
7.08.28
